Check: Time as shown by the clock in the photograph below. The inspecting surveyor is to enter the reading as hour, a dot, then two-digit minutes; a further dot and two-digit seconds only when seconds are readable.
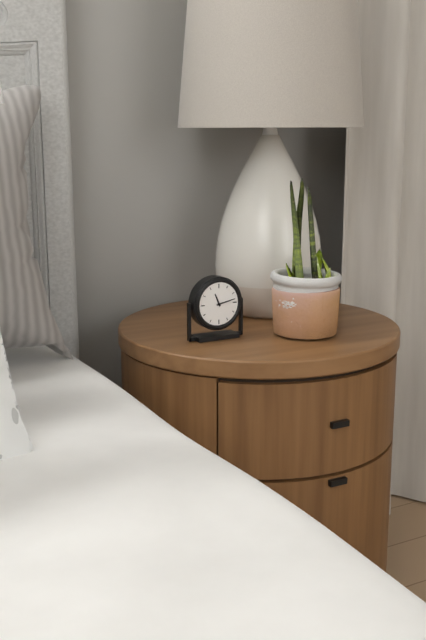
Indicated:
11.13
